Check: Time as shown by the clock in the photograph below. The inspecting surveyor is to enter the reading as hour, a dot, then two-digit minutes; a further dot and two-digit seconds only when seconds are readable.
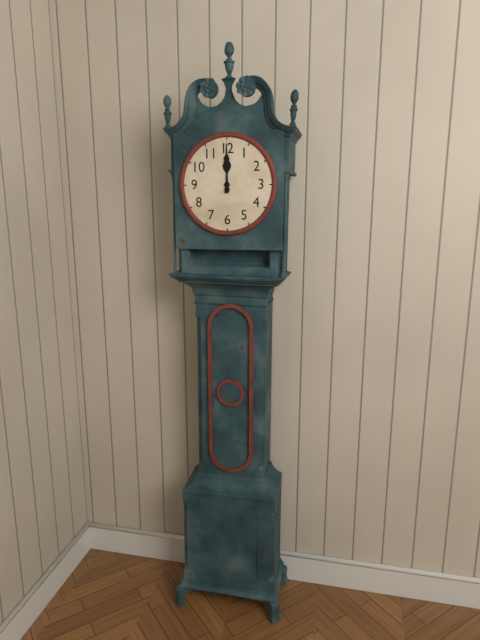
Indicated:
12.00
